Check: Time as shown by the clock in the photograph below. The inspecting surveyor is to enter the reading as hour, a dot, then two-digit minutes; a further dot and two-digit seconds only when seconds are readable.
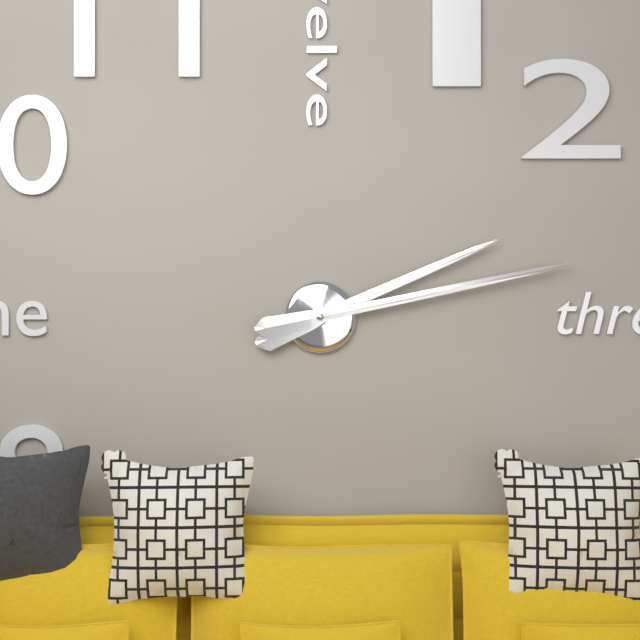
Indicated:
2.13
